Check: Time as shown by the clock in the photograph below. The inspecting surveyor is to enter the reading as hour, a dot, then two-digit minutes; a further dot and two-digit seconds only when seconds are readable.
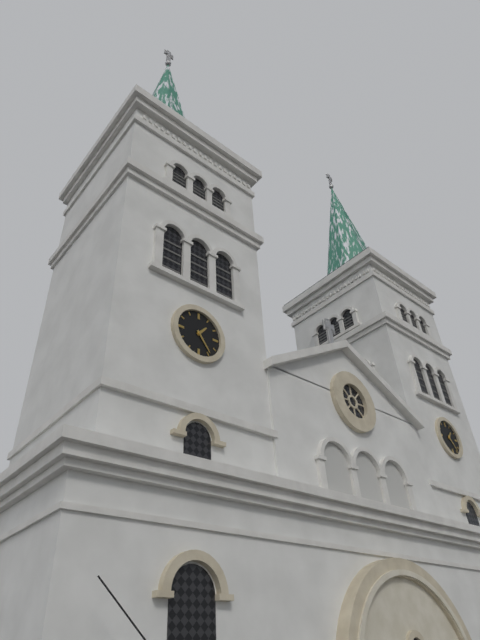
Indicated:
1.24
